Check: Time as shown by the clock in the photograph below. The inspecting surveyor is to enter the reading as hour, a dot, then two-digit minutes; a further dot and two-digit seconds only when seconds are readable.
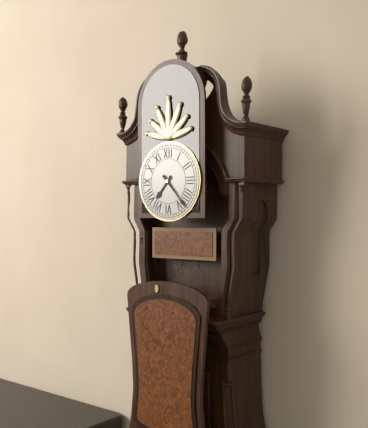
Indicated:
7.23
